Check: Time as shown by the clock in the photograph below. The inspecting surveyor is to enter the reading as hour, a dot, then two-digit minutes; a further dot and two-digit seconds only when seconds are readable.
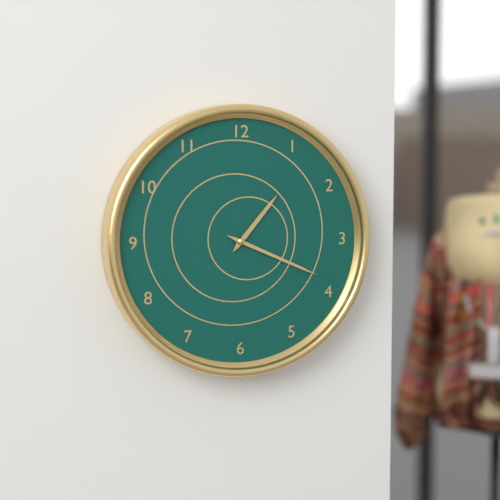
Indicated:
1.19
